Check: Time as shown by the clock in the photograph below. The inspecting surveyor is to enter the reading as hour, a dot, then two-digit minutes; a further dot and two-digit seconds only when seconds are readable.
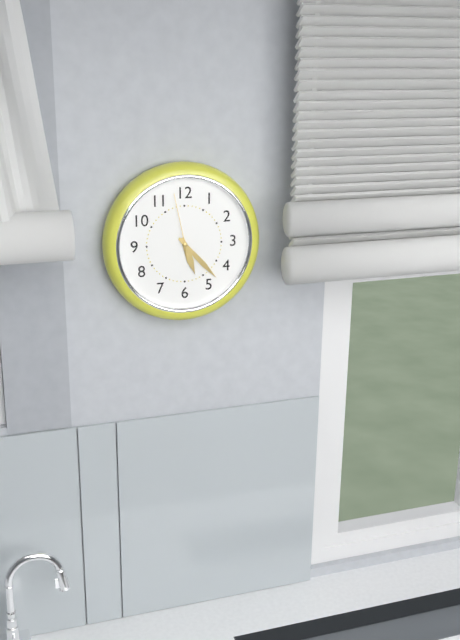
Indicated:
5.23.58
